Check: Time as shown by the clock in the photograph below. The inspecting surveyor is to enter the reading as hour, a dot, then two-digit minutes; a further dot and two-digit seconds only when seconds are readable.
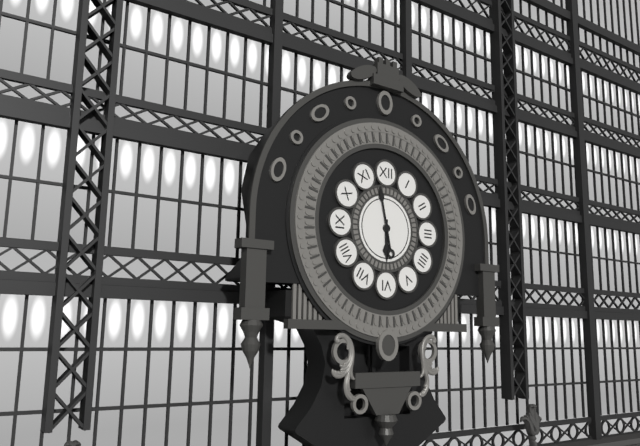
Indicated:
5.58
